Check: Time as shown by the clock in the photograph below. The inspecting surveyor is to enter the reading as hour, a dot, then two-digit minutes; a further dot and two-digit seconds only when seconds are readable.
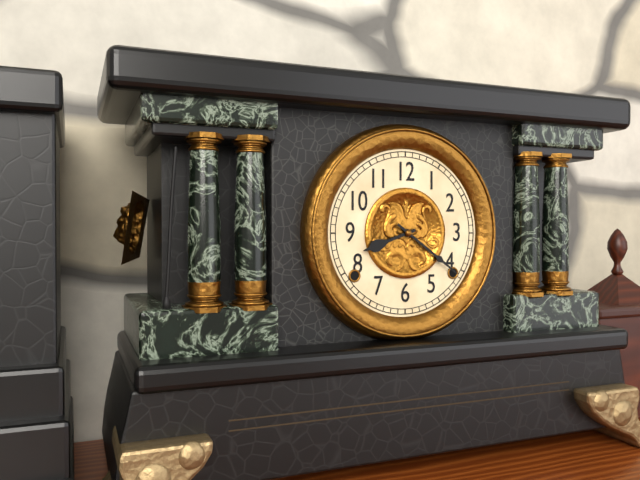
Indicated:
8.21
